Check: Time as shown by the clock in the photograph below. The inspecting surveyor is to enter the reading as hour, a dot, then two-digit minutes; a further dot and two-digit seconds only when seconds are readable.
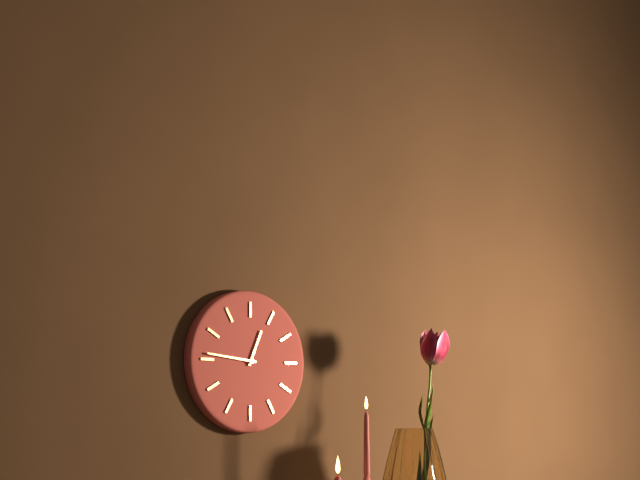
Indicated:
12.46
